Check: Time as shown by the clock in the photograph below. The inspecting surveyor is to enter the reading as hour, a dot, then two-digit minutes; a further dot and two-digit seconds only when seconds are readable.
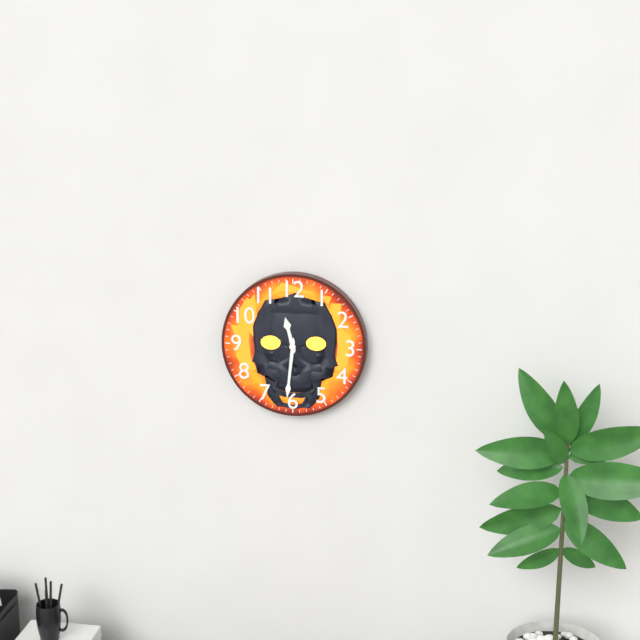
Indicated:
11.31
